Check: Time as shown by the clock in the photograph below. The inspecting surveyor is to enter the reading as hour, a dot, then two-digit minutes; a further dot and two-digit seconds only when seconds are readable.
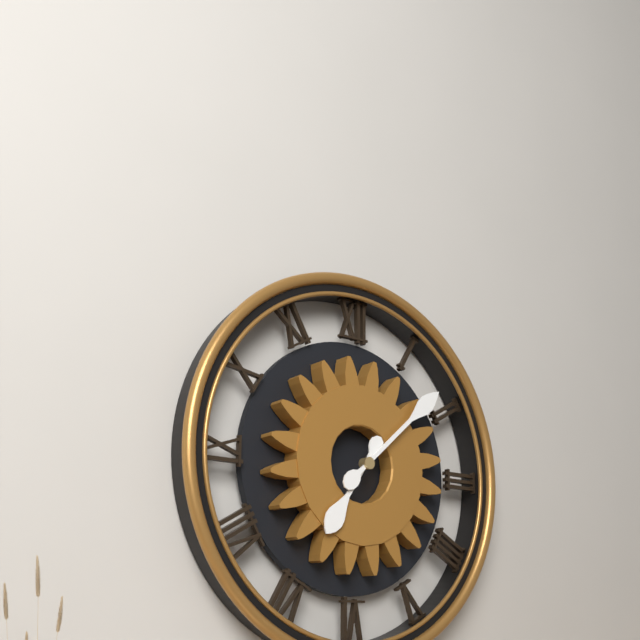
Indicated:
7.08
